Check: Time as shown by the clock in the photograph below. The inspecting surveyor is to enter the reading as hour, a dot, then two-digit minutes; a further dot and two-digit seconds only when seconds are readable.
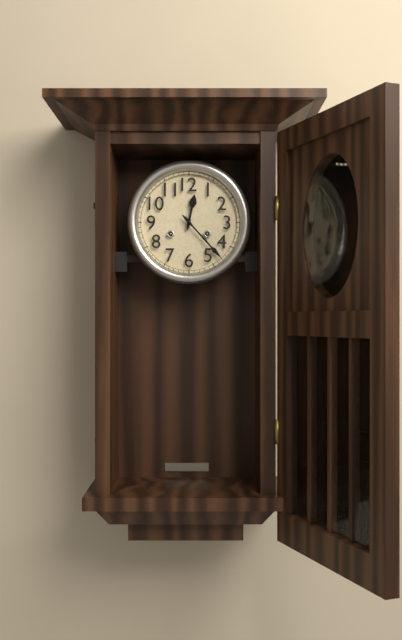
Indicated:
12.23
